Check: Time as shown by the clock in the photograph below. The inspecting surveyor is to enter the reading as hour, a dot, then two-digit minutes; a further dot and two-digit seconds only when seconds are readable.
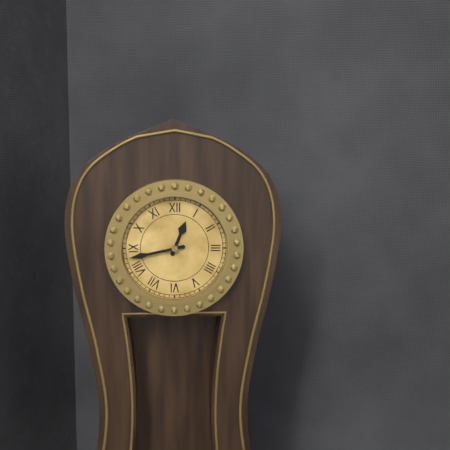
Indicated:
12.43
